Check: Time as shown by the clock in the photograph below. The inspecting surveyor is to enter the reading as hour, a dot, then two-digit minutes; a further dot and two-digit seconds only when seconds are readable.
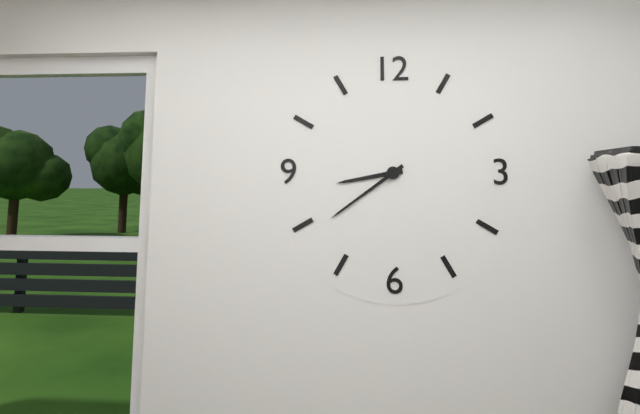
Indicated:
8.39
